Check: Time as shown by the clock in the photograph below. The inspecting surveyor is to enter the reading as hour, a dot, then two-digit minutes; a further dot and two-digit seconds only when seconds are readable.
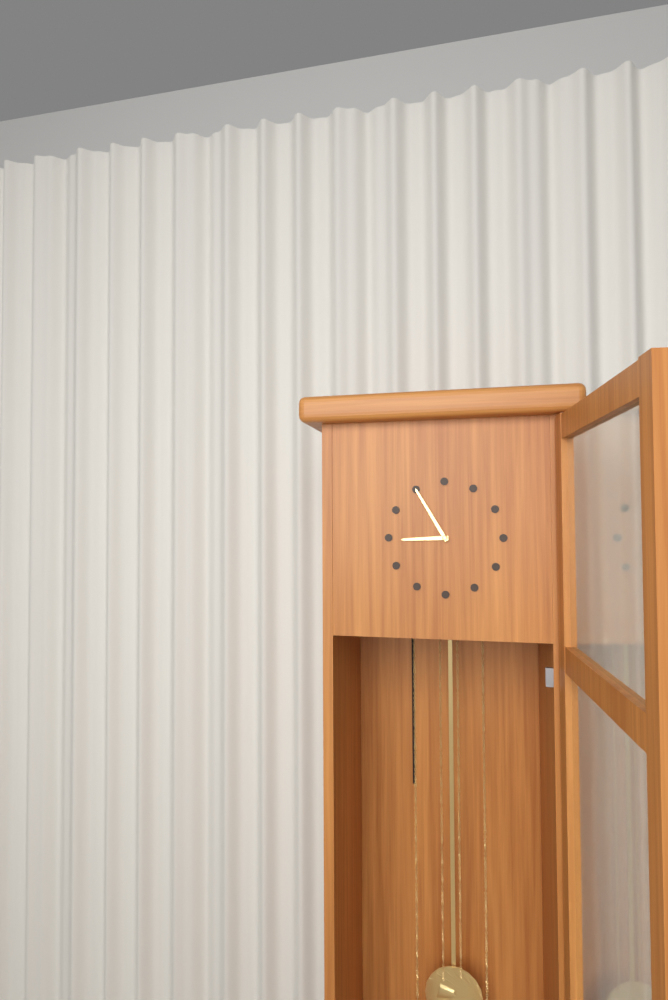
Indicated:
8.55
